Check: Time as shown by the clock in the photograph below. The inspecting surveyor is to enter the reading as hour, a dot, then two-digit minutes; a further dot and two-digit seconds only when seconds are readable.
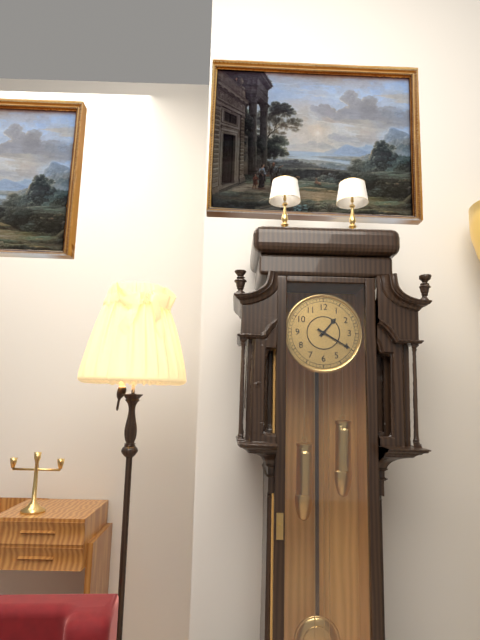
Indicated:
1.20
